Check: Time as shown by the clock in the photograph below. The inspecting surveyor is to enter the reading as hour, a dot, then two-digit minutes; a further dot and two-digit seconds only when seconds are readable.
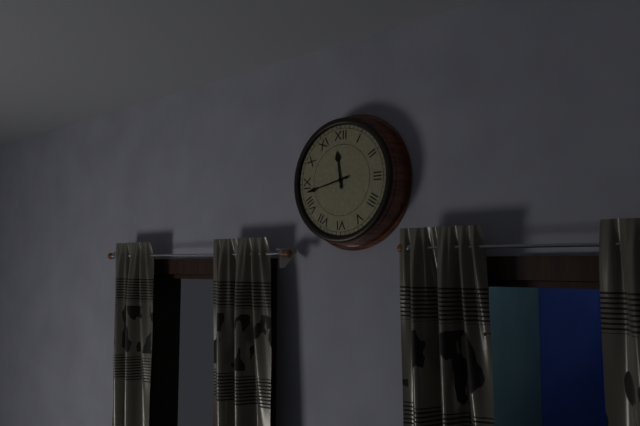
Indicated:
11.43
